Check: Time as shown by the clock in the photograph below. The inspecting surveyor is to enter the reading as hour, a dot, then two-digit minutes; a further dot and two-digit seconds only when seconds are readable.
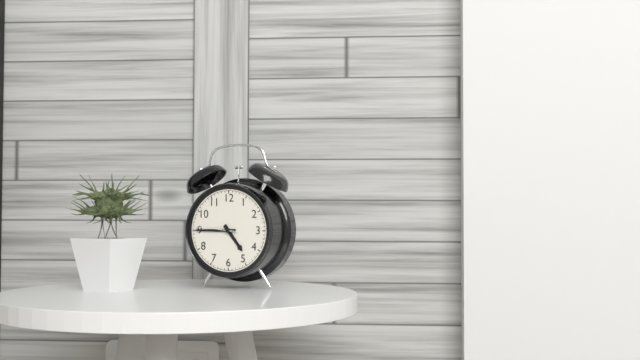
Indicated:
4.45
